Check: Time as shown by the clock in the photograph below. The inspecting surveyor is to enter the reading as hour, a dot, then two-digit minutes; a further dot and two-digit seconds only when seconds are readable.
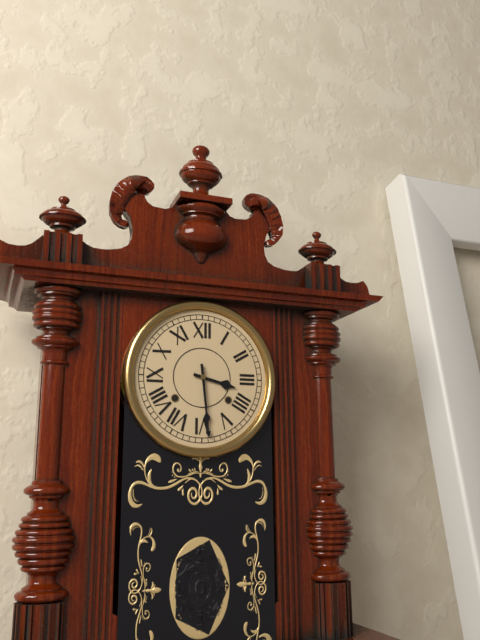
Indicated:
3.29
